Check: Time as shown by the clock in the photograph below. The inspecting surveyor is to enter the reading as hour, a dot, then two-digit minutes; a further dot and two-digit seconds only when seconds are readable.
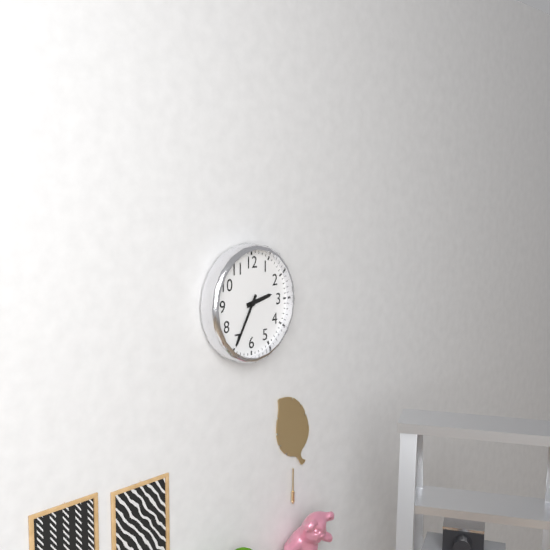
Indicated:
2.35
